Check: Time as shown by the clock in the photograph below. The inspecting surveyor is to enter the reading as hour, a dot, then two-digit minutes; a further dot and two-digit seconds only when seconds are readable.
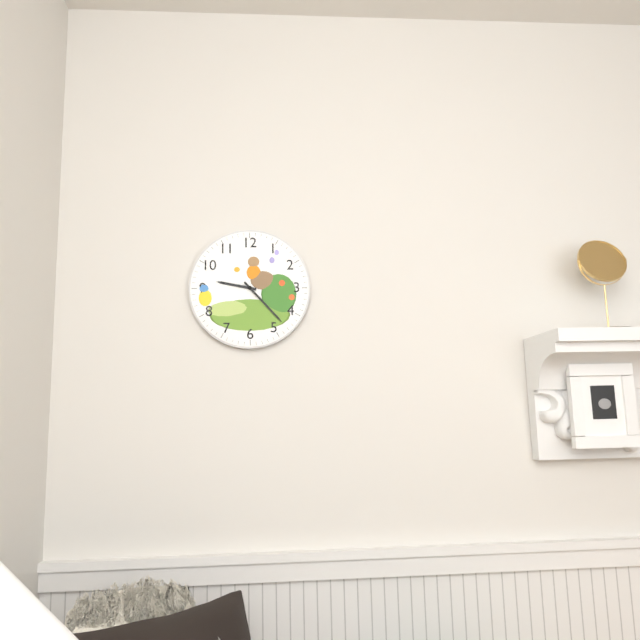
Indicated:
9.23
